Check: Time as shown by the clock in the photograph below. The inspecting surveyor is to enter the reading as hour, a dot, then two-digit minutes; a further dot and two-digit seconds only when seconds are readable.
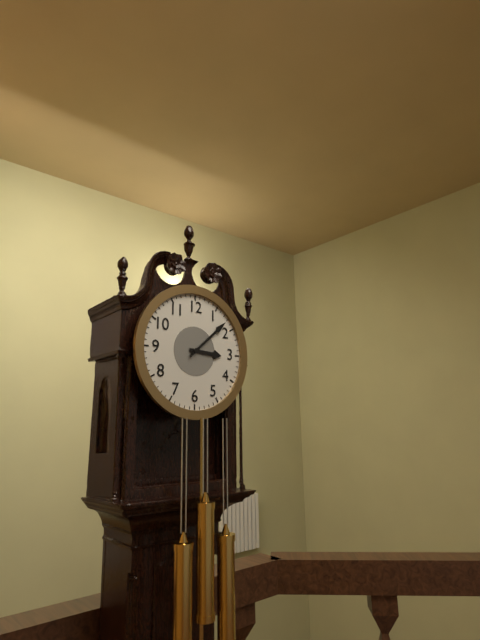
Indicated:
3.08
